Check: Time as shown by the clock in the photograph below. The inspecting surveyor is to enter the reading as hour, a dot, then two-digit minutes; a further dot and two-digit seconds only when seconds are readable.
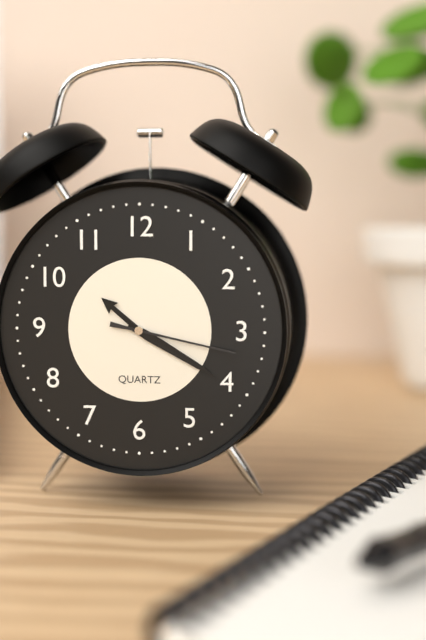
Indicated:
10.20.17
